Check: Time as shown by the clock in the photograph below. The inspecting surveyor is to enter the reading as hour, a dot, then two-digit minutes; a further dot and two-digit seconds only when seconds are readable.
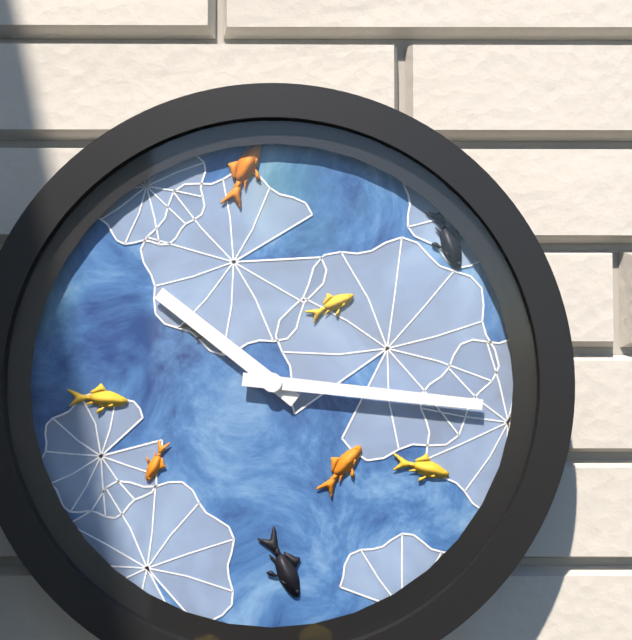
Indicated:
10.16
